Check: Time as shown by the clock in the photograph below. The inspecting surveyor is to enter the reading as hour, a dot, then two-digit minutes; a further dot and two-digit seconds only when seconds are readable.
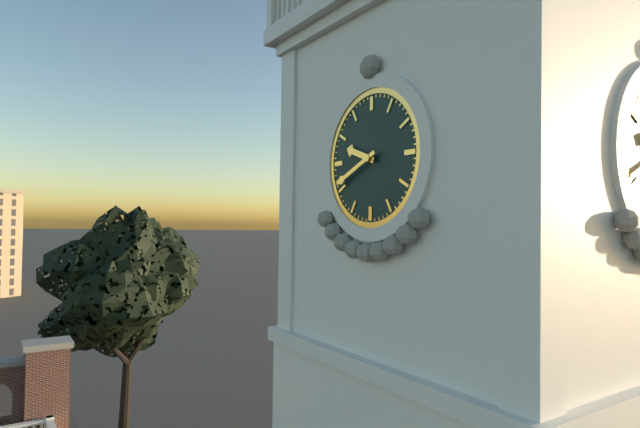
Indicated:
9.41
